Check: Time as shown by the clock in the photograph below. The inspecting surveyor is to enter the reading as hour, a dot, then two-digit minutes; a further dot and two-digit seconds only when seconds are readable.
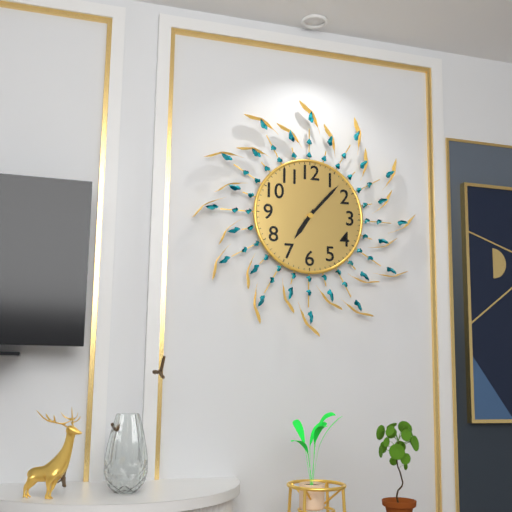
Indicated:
7.07
